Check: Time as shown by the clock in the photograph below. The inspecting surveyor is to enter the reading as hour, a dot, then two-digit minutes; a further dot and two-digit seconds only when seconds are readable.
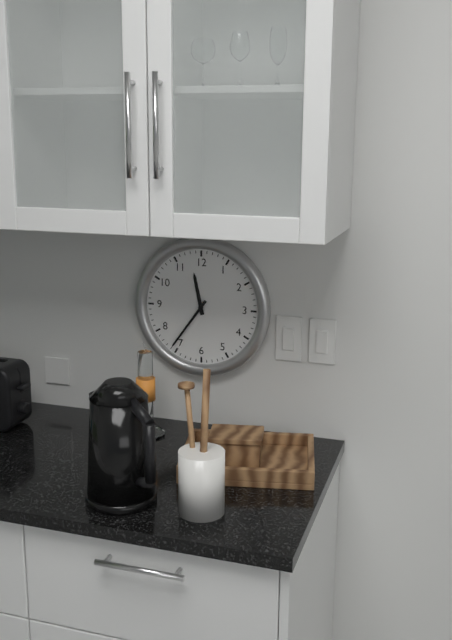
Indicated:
11.36
